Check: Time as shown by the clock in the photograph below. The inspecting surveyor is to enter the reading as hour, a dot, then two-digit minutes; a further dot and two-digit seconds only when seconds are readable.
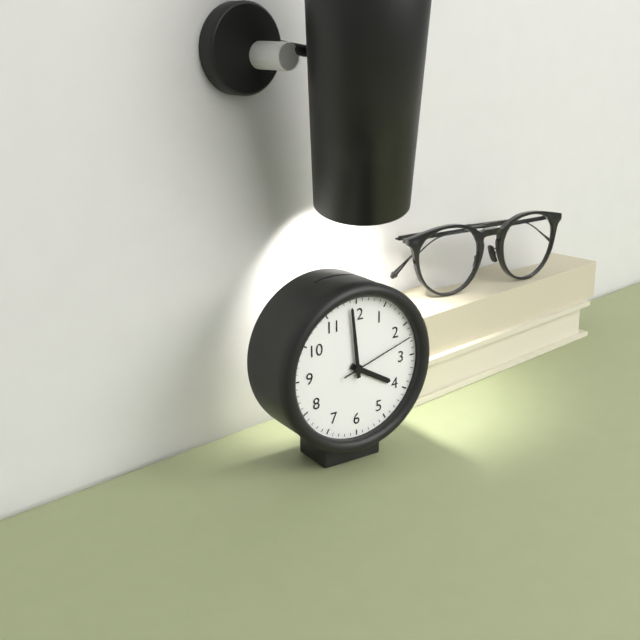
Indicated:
3.59.12
